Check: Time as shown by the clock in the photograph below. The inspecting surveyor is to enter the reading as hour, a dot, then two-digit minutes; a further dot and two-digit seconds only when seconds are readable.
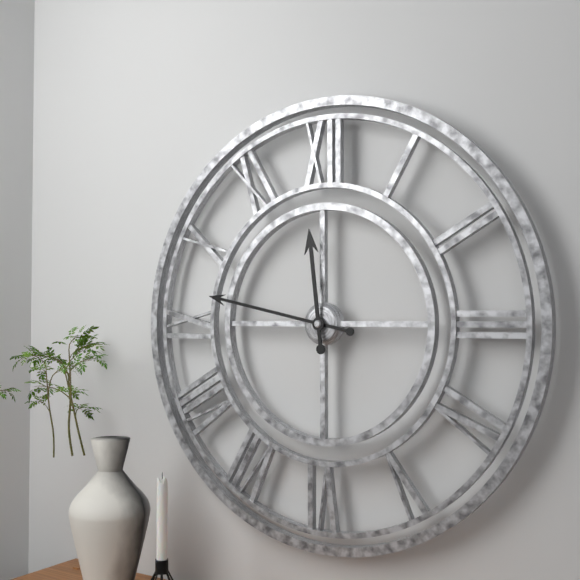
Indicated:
11.47
